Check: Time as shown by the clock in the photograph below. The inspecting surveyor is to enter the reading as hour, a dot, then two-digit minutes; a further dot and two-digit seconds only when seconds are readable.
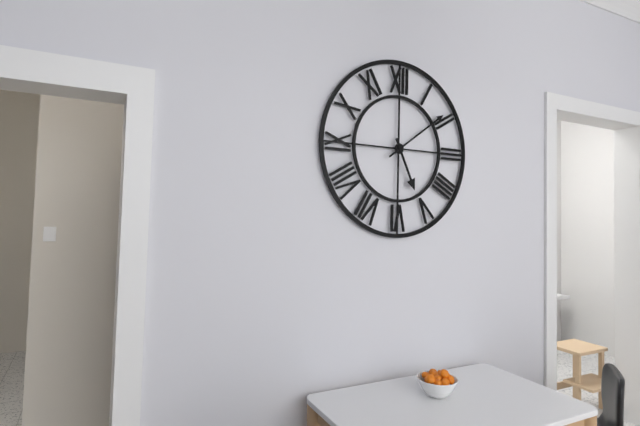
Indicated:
5.09
